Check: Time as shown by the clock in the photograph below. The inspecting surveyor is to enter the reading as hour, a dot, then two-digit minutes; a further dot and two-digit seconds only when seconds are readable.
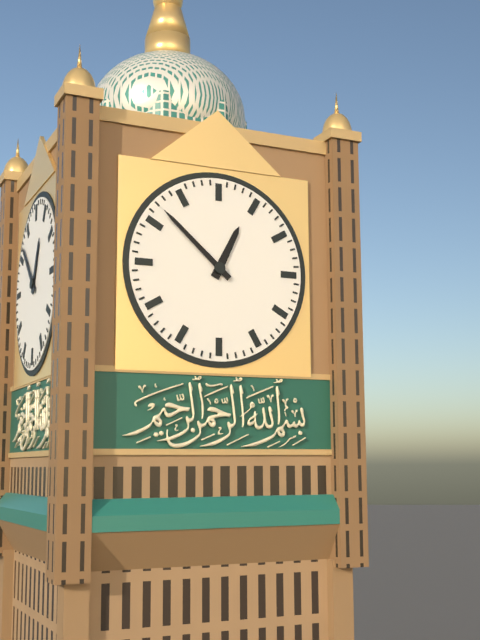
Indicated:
12.52
